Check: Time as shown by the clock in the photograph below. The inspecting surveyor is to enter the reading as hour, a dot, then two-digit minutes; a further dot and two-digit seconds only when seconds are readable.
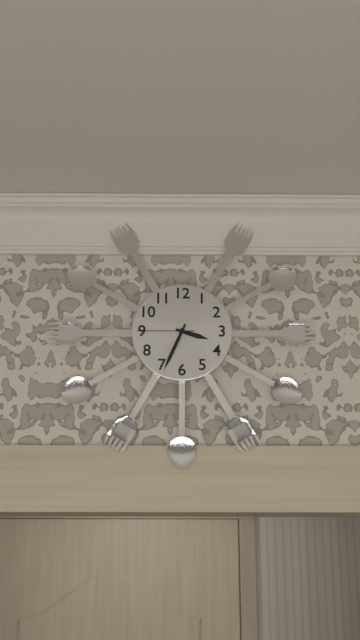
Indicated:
3.34.45
